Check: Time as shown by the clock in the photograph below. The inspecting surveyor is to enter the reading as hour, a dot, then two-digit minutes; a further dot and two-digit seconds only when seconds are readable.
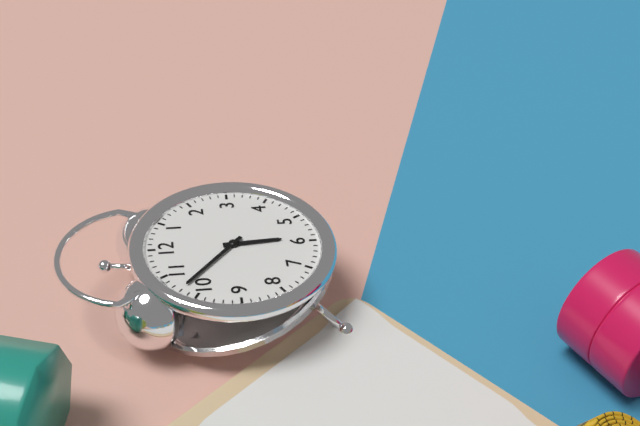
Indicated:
5.52
